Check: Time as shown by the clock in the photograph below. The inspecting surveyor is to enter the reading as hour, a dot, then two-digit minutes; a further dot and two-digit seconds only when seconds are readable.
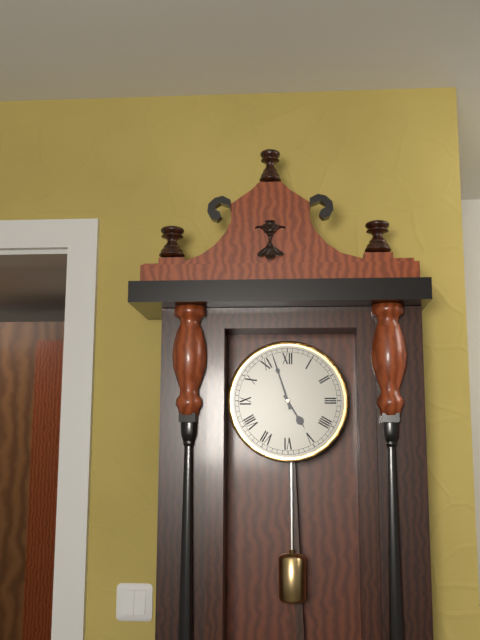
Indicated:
4.57
